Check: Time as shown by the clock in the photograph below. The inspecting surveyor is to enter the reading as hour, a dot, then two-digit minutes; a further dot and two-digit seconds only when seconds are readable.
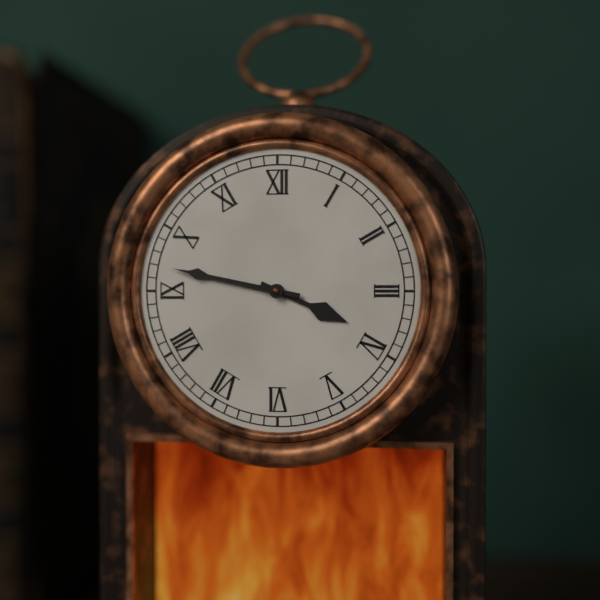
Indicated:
3.47
